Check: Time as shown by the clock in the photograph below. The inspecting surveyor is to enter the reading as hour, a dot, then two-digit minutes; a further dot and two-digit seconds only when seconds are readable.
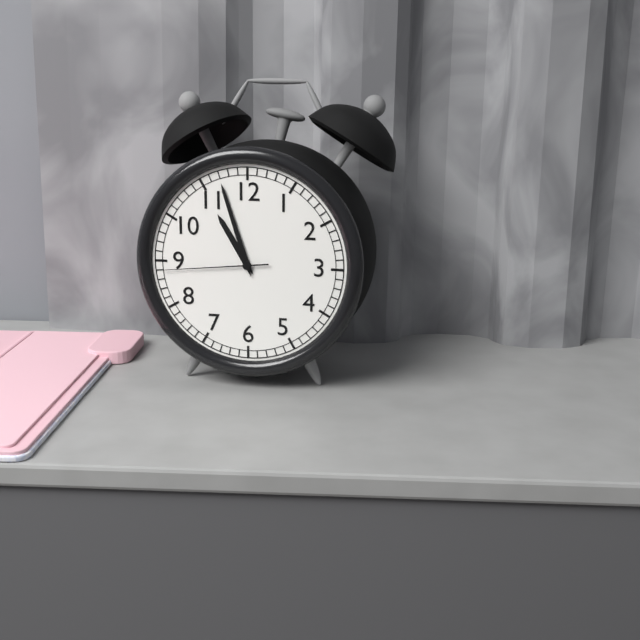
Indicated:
10.57.44
